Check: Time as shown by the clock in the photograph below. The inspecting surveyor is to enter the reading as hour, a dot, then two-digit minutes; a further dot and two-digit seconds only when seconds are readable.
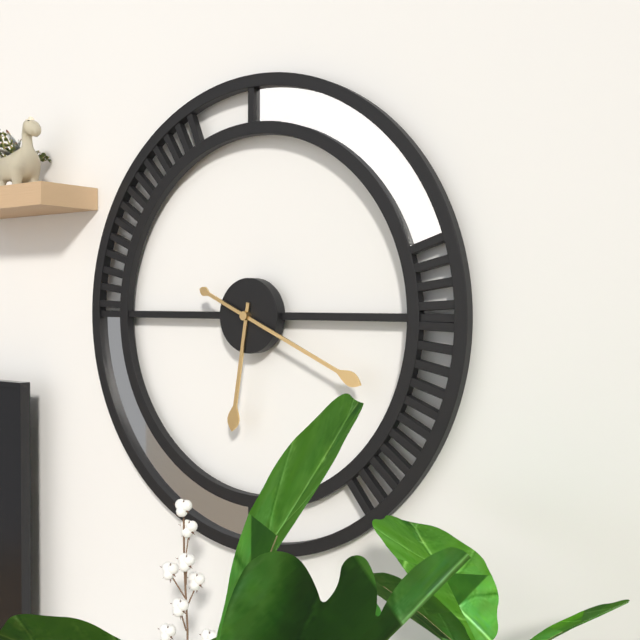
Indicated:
6.19
